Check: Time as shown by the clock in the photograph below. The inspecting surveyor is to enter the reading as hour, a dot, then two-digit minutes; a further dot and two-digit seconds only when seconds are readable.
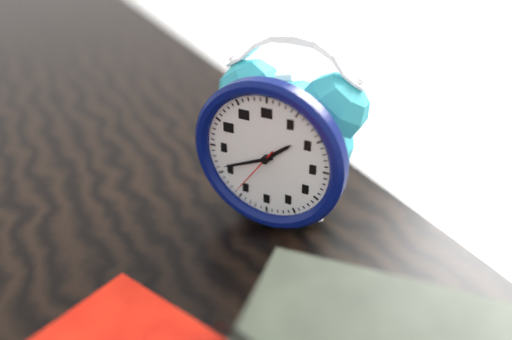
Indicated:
1.41.36
